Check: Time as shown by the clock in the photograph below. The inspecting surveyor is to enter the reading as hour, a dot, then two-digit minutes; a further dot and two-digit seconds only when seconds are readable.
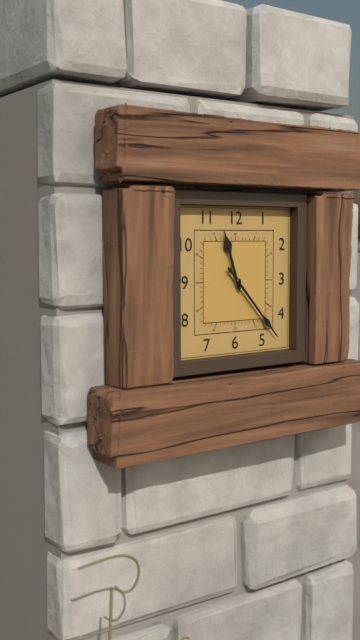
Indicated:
11.23
